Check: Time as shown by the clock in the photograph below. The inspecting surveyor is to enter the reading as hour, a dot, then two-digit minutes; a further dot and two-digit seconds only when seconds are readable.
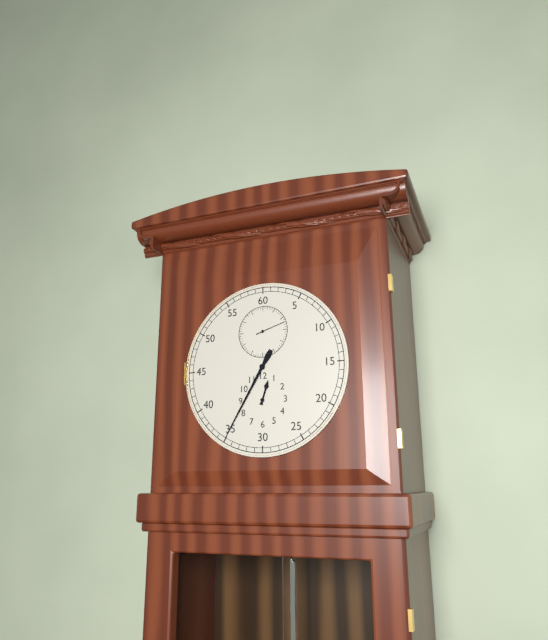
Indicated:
12.35
